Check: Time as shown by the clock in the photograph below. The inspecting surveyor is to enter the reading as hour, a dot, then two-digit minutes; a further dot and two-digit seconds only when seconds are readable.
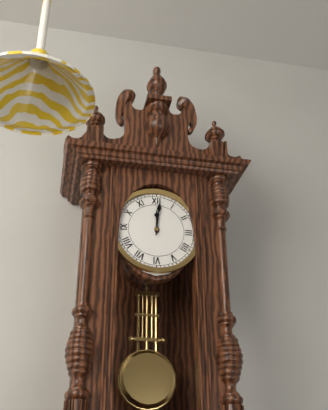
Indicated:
12.01
